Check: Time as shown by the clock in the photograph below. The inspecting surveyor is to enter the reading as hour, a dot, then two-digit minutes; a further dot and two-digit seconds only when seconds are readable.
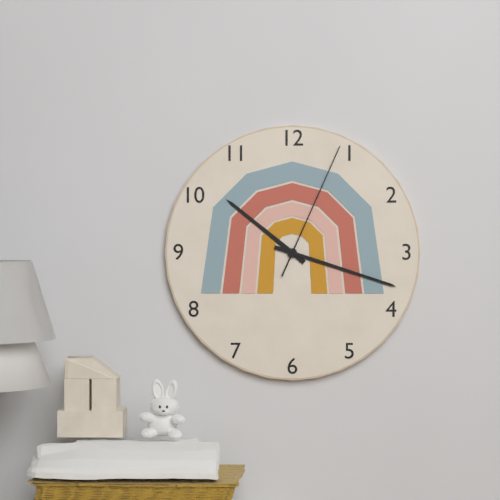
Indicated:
10.18.04
